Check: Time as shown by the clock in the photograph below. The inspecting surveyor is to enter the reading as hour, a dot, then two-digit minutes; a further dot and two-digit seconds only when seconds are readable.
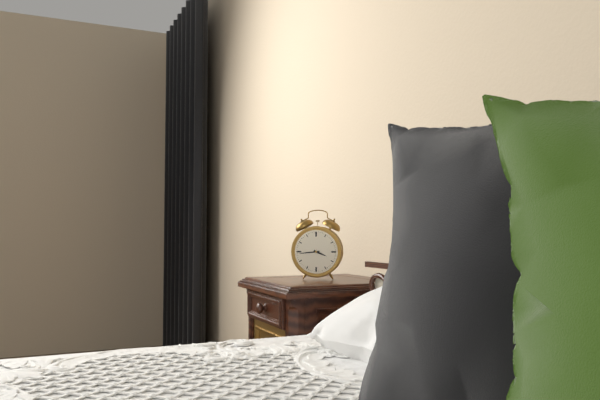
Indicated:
3.44
